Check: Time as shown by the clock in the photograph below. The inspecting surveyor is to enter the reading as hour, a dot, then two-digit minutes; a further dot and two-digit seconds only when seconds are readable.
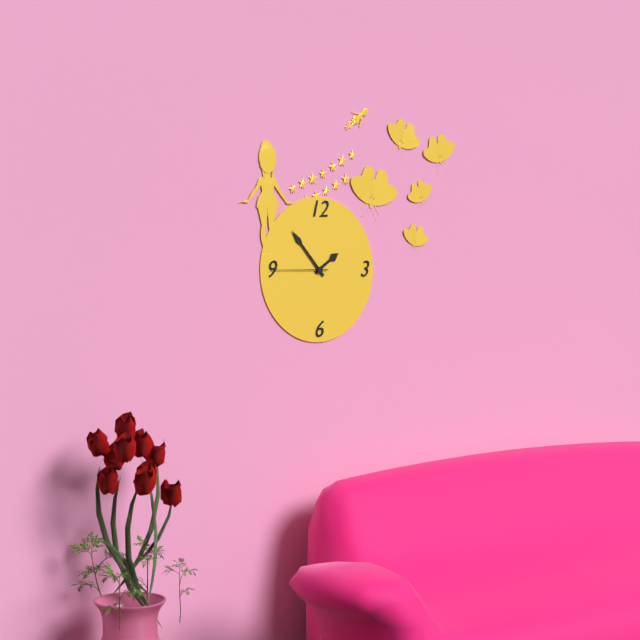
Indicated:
1.53.45
